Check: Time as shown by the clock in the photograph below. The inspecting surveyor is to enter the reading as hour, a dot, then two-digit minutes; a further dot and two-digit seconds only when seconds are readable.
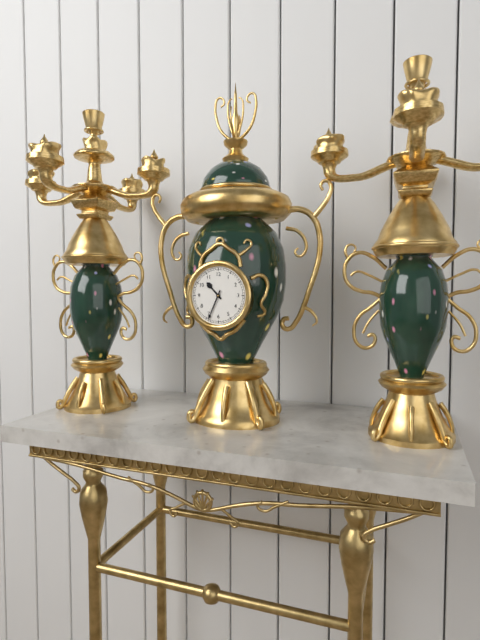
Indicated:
10.34
